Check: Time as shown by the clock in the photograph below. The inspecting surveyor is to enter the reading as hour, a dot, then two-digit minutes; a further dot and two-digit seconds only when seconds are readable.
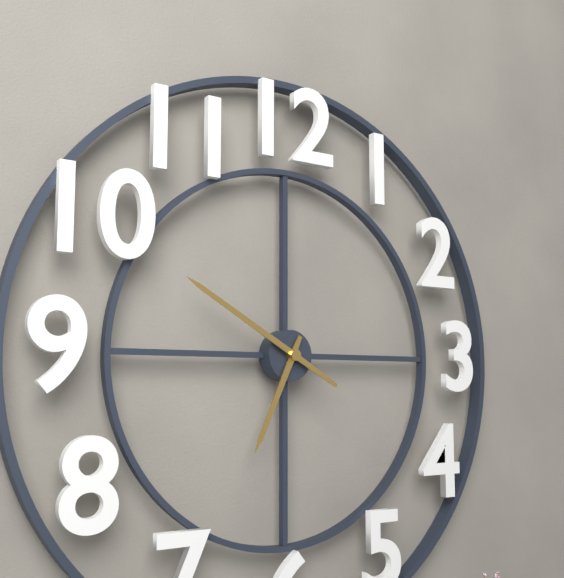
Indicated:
6.50
